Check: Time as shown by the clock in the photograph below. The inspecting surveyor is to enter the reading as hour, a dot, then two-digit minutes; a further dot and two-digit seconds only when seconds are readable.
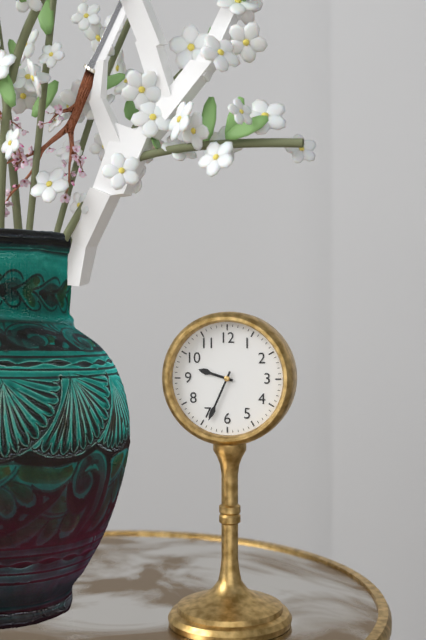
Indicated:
9.34
